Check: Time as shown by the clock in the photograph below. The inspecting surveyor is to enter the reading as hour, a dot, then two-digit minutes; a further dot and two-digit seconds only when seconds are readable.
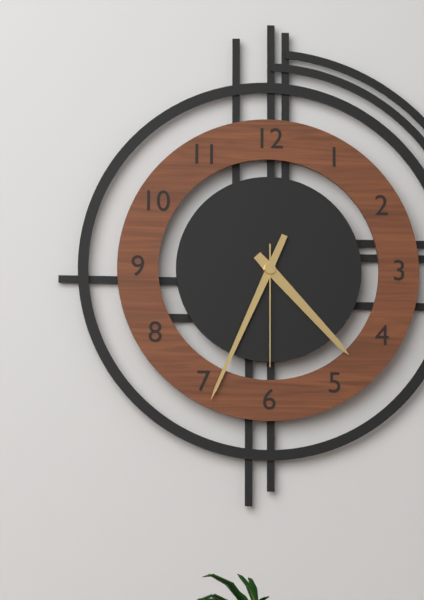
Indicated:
4.34.30
